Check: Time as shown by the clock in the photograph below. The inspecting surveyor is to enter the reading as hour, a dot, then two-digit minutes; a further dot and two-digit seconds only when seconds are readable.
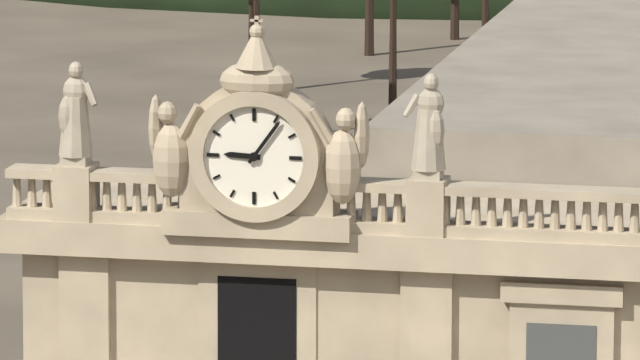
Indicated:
9.06
